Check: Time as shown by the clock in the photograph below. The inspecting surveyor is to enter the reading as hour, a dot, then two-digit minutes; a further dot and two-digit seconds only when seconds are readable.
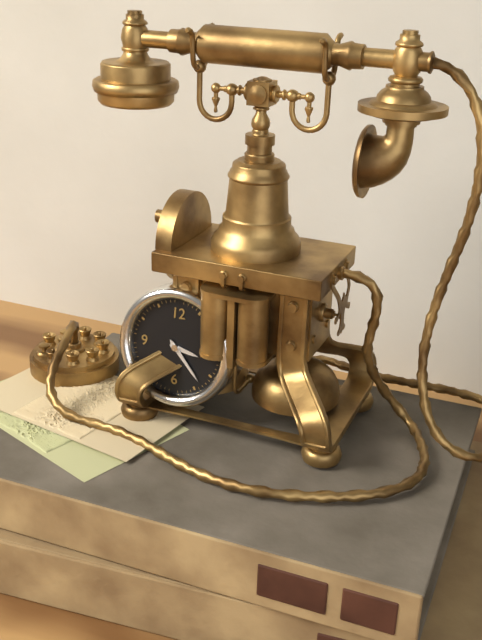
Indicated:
3.23
